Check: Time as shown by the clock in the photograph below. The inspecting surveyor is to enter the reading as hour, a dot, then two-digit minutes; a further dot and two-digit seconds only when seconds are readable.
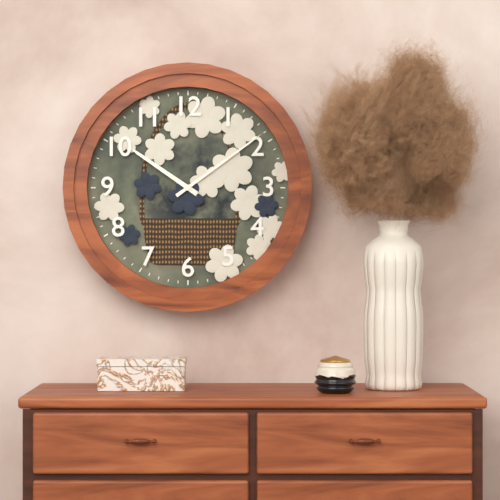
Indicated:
10.09
